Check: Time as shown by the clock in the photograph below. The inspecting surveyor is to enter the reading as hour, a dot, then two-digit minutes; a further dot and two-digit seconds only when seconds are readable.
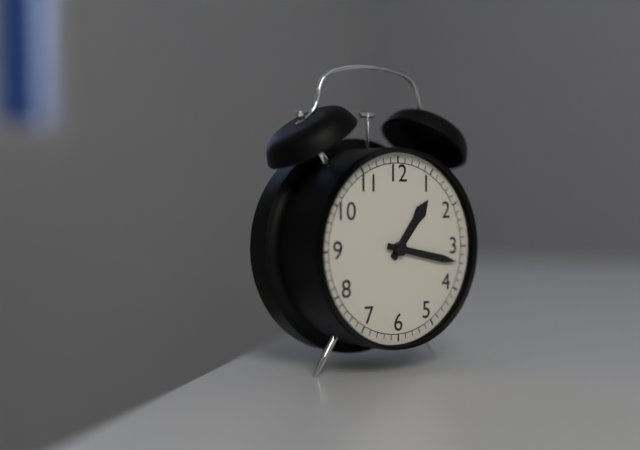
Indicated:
1.17
